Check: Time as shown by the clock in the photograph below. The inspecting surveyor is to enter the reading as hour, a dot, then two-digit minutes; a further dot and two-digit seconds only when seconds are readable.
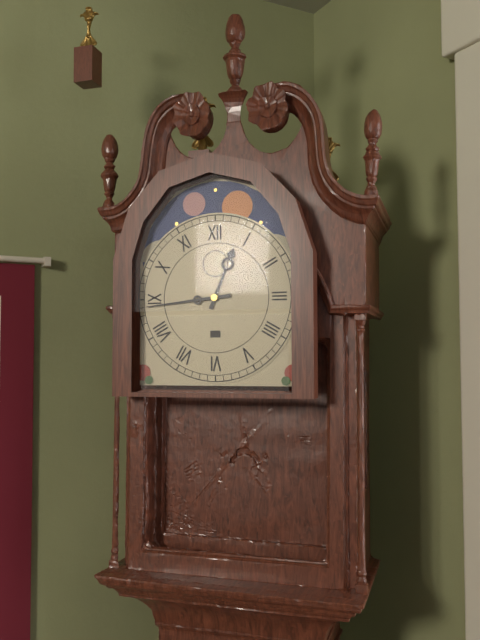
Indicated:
12.44
